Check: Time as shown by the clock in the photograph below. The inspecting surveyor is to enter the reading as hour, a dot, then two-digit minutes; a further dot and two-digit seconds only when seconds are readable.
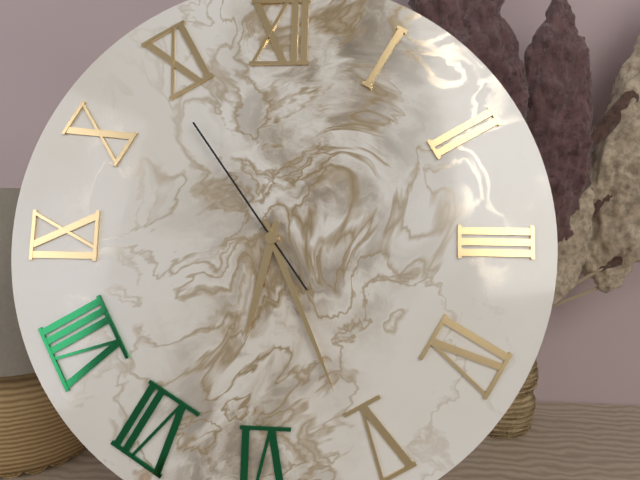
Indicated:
6.26.54
